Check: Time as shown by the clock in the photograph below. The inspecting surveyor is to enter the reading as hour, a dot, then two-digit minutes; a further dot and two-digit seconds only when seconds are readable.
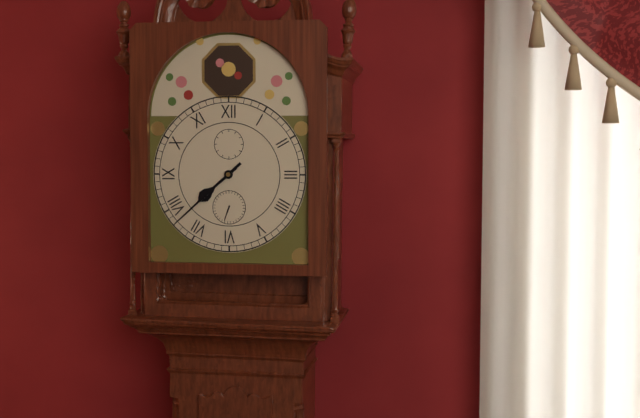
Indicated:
7.38
